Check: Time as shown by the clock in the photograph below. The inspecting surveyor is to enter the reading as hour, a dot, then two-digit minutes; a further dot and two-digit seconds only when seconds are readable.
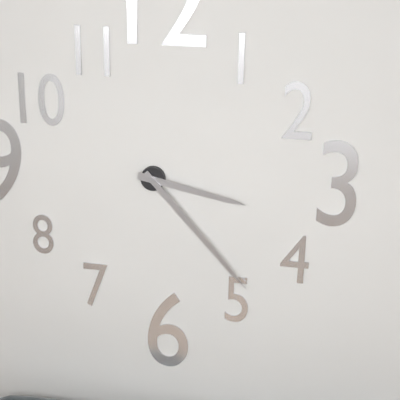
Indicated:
3.23
